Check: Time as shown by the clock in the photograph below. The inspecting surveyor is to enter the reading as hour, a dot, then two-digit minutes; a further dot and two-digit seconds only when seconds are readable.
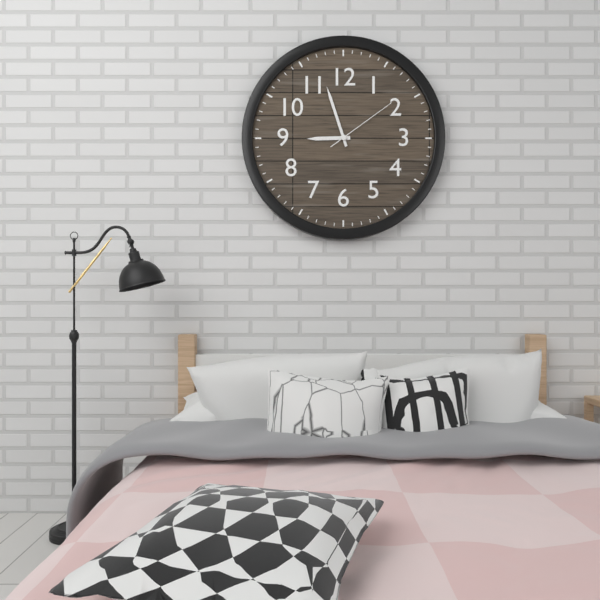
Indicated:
8.57.09
